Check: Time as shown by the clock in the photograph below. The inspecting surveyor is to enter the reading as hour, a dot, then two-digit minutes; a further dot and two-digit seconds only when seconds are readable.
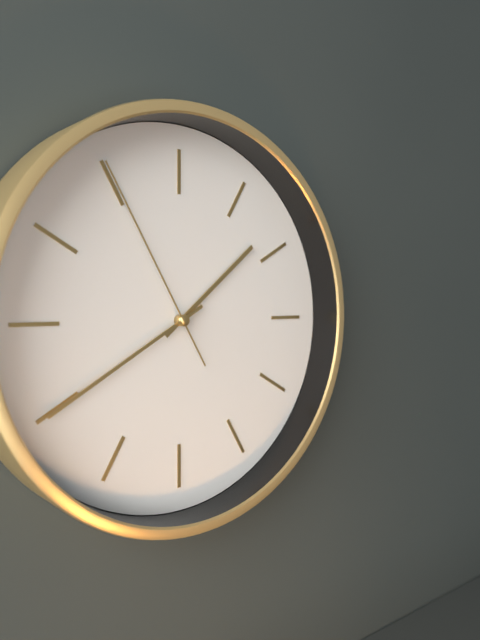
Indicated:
1.40.55
